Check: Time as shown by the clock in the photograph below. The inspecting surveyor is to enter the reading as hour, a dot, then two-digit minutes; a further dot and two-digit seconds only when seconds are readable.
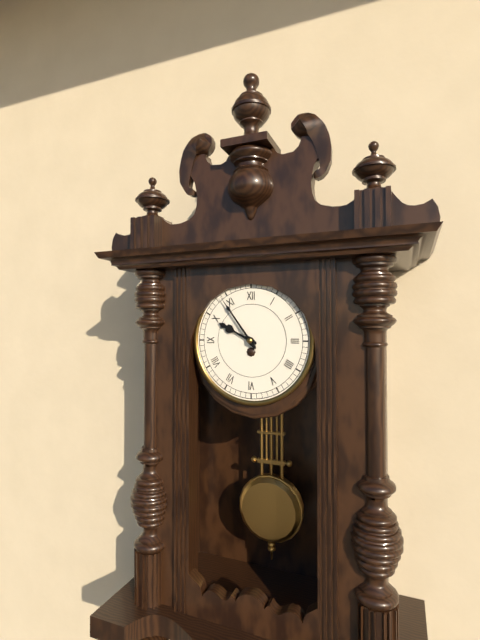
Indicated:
9.54
